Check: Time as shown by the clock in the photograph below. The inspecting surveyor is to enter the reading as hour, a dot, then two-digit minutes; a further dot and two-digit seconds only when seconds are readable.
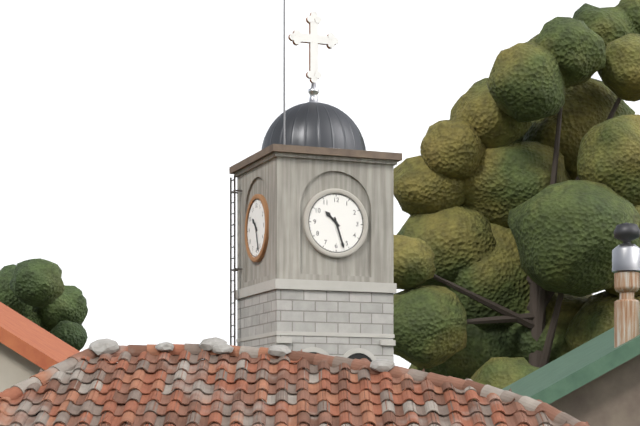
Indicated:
10.27
